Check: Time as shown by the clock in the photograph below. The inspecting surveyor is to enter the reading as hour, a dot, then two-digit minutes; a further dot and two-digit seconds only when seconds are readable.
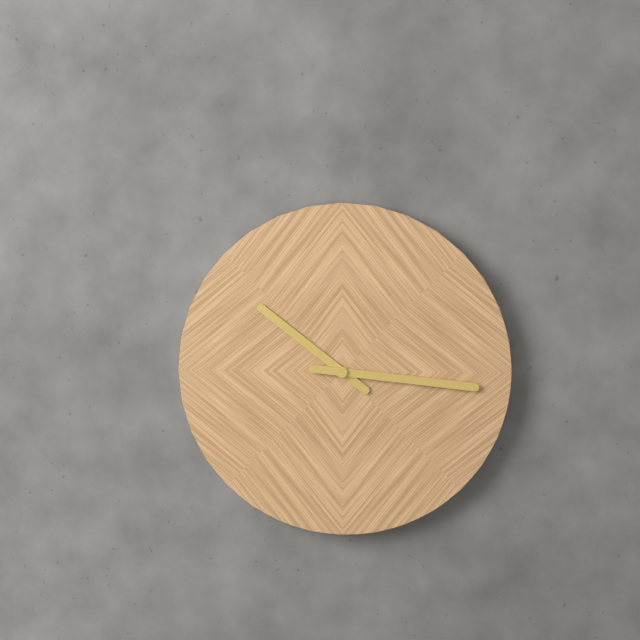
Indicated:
10.16
